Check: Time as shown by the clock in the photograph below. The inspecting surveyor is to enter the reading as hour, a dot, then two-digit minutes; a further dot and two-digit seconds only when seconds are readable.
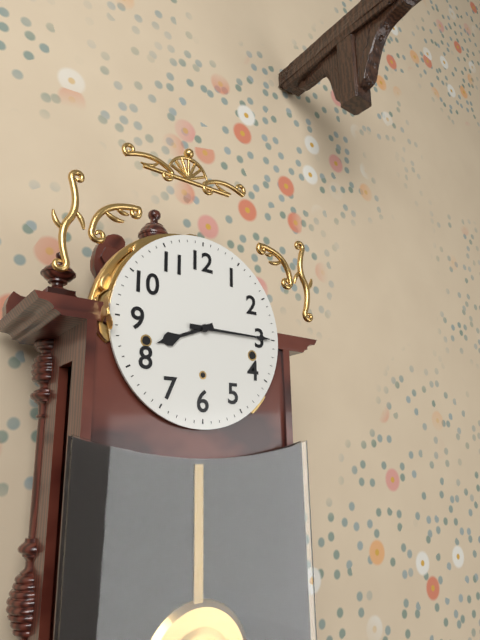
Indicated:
8.15
